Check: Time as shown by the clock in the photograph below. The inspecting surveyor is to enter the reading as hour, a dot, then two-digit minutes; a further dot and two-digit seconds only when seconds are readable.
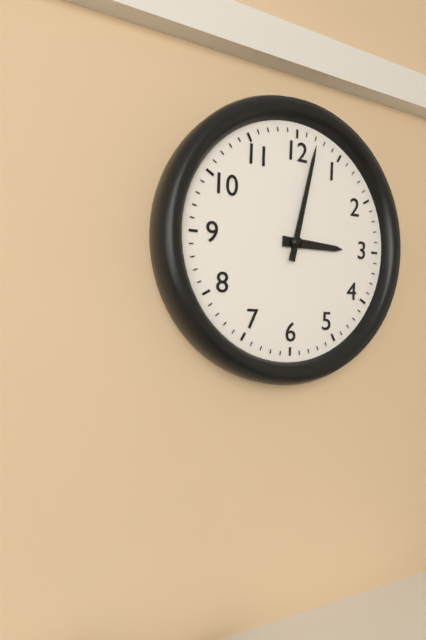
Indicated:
3.02
